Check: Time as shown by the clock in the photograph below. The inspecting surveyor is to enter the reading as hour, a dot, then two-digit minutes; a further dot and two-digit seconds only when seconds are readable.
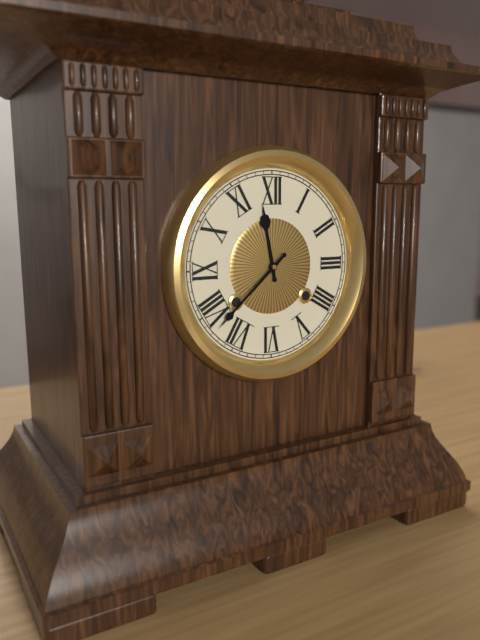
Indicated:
11.38
